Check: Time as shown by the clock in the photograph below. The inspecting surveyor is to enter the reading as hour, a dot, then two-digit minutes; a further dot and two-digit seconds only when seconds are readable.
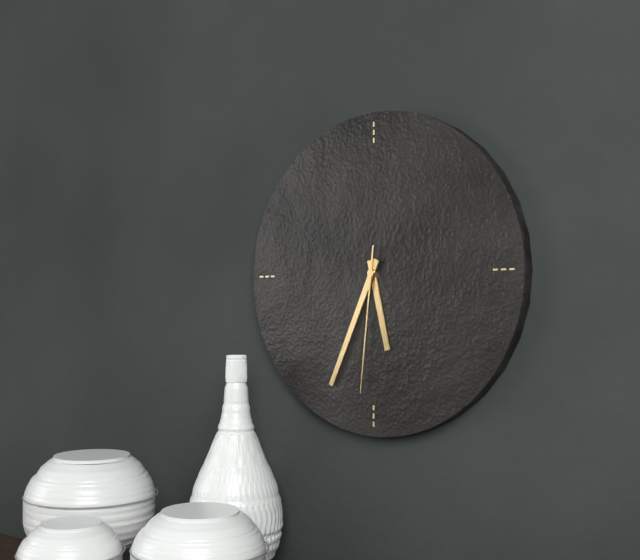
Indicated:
5.34.31
